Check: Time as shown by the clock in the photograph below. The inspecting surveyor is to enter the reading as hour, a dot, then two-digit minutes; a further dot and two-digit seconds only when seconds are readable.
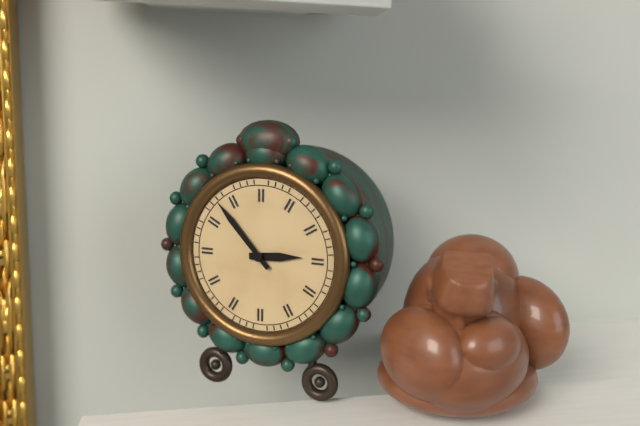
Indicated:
2.53
